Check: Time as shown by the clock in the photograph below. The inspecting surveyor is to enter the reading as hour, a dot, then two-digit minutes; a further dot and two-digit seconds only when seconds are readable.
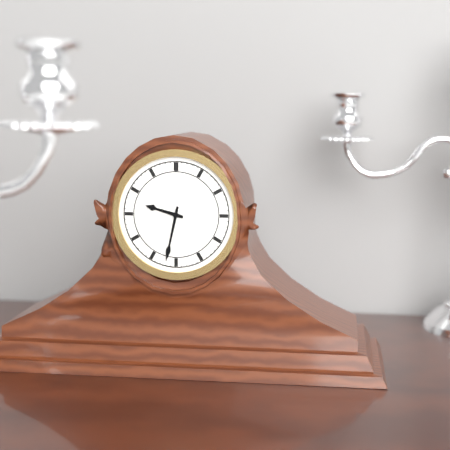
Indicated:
9.32
